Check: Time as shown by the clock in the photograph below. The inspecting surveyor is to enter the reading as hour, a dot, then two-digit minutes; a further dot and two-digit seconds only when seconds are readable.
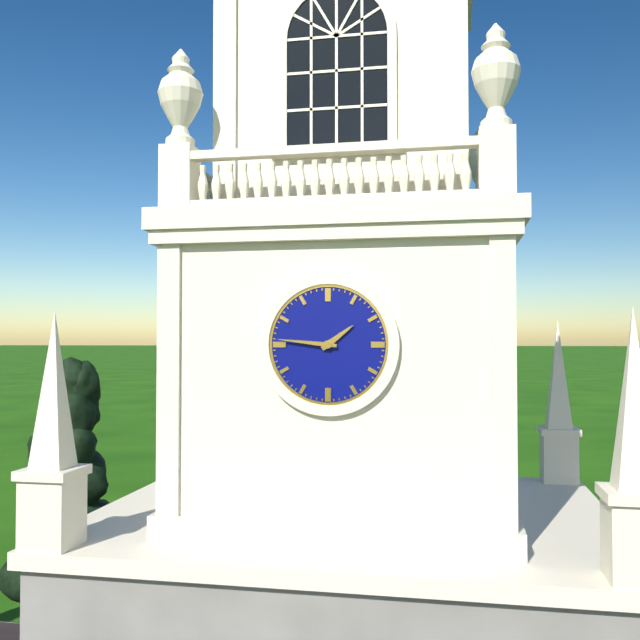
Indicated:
1.46
